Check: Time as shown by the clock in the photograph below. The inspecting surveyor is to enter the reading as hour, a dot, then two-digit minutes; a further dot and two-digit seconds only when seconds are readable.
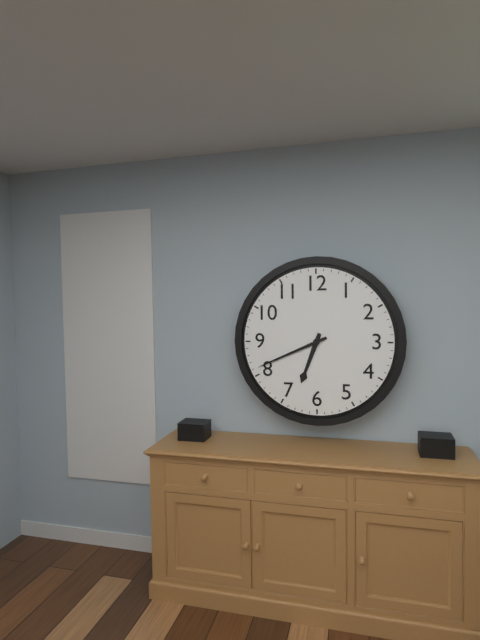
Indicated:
6.41
